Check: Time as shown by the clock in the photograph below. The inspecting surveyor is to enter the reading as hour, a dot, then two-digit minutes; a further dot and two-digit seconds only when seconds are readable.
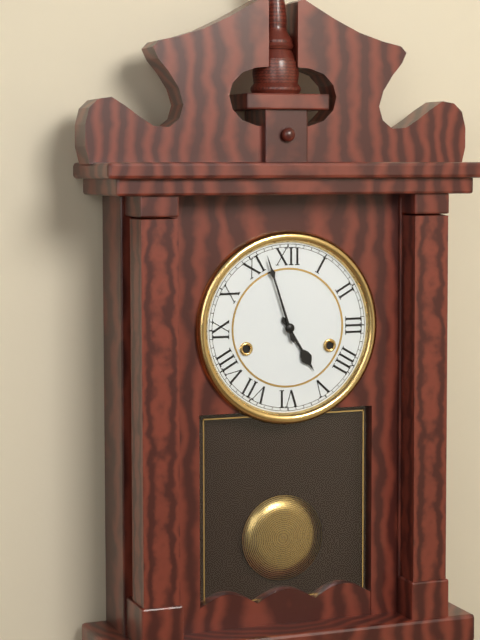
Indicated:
4.57
